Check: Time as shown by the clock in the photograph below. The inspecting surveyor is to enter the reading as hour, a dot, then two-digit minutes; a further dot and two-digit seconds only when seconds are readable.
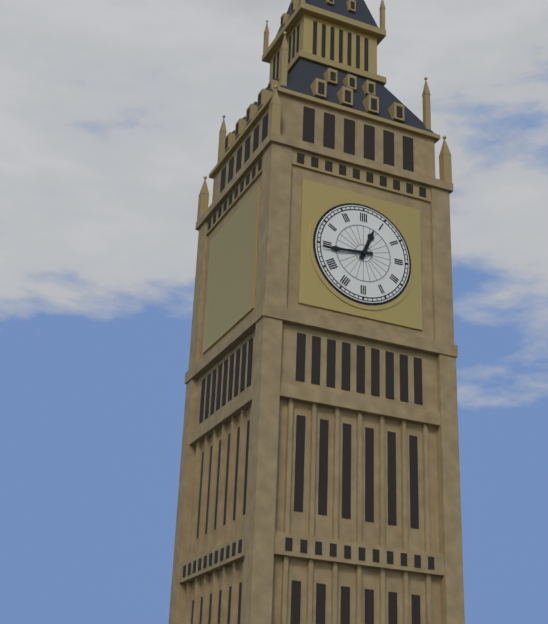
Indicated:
12.44
